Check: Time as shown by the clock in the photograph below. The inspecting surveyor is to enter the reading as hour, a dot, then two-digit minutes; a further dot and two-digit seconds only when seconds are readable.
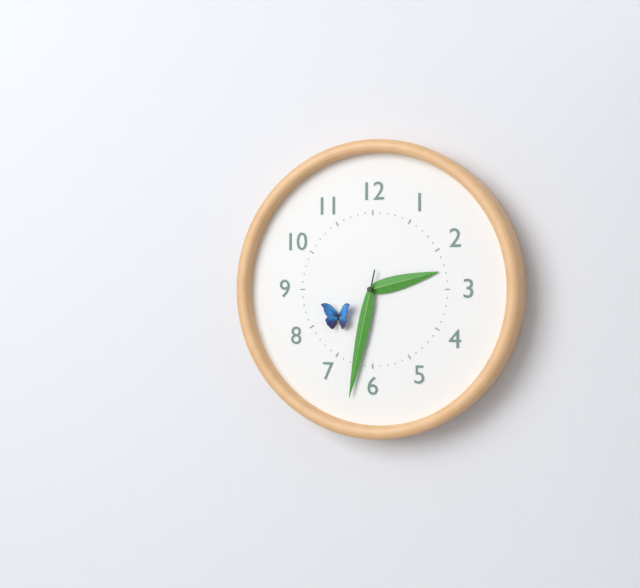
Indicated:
2.32
